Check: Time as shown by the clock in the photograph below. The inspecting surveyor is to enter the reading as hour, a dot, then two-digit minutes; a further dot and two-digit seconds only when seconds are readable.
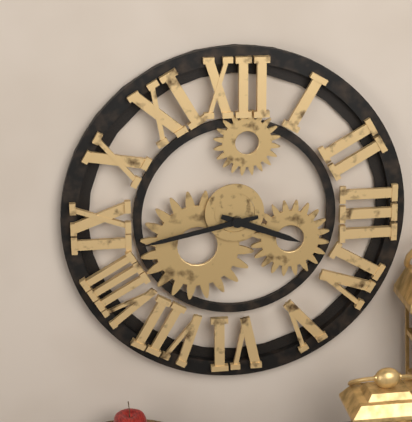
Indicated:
3.43
